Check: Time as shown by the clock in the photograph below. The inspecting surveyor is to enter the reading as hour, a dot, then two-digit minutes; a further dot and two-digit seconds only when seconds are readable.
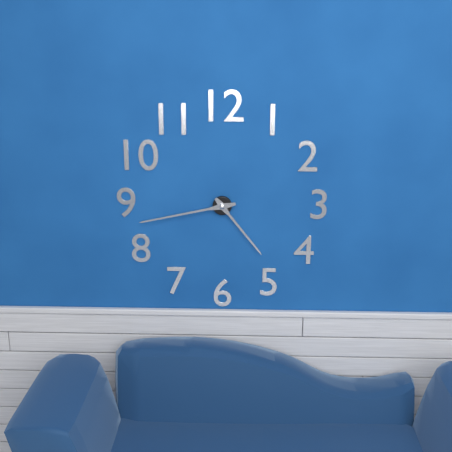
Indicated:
4.43
